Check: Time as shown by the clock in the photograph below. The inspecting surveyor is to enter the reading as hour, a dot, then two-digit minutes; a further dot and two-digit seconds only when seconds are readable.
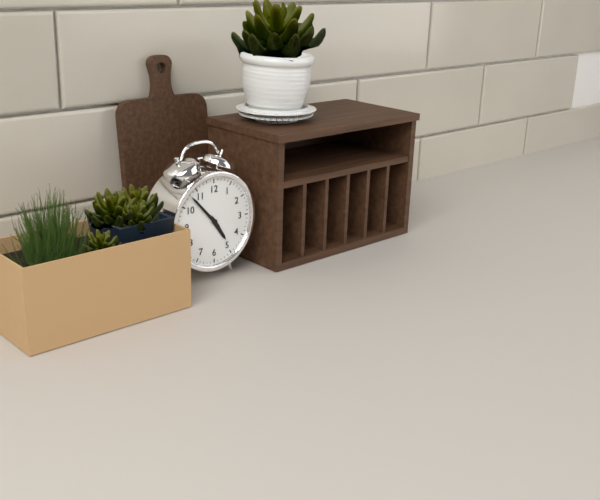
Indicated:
4.53
